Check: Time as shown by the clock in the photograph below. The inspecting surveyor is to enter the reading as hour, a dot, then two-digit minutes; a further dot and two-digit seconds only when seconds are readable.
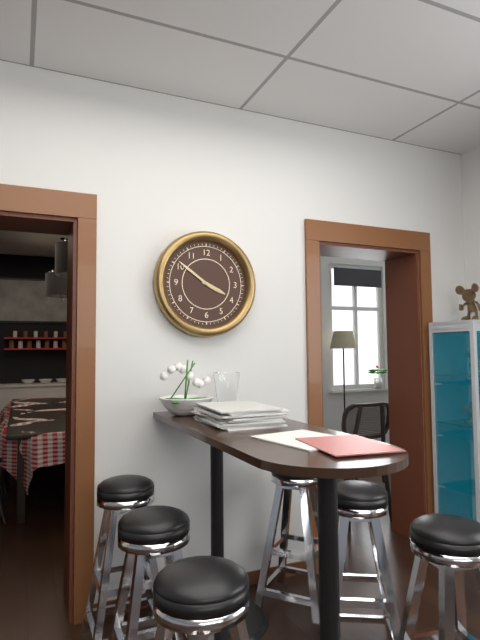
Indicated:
3.51
